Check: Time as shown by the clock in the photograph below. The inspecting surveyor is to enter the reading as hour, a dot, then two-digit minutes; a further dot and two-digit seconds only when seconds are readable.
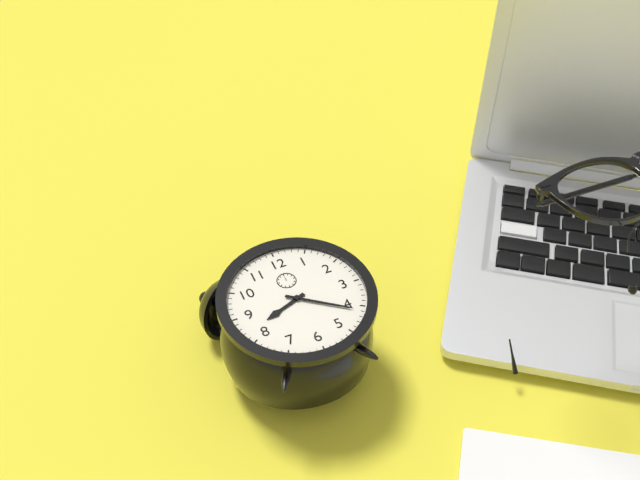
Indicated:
8.21
